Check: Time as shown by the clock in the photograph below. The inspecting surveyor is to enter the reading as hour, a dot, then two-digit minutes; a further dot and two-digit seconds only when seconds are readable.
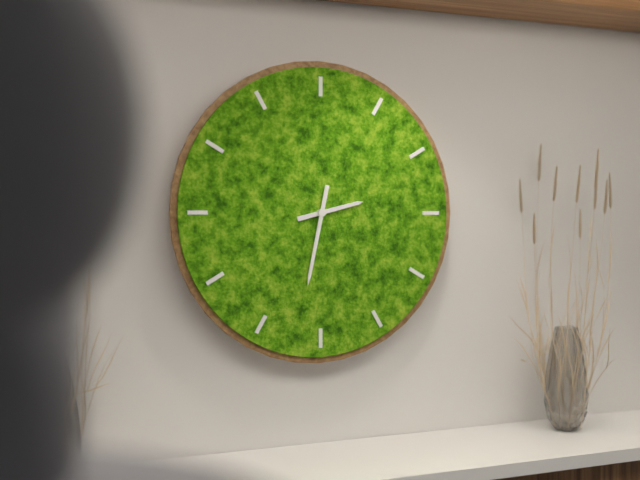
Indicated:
2.32
